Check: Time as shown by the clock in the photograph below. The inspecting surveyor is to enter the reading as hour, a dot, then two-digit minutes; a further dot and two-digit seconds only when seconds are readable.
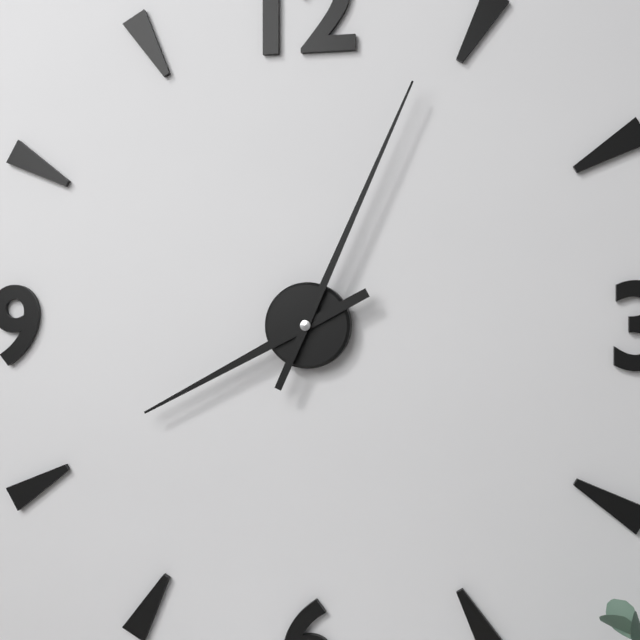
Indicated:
8.04
